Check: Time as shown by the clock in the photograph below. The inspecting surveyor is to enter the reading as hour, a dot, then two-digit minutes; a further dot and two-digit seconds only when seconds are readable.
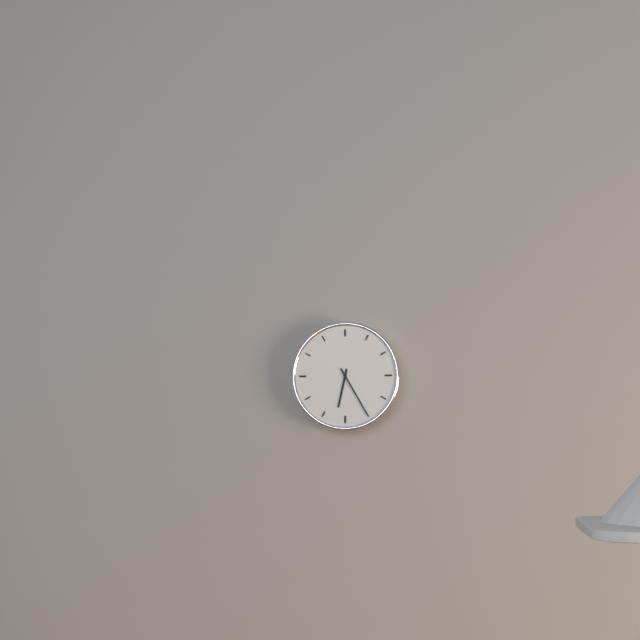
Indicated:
6.25
